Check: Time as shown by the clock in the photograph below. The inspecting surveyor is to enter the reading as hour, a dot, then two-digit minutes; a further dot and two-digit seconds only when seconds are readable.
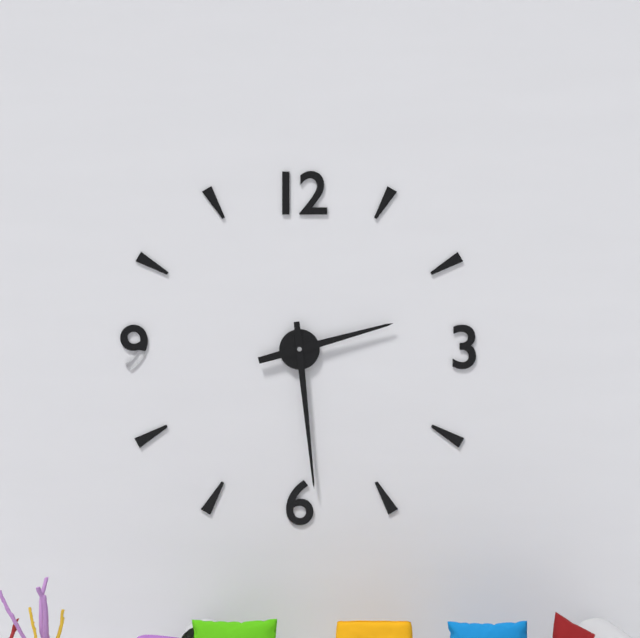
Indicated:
2.29
